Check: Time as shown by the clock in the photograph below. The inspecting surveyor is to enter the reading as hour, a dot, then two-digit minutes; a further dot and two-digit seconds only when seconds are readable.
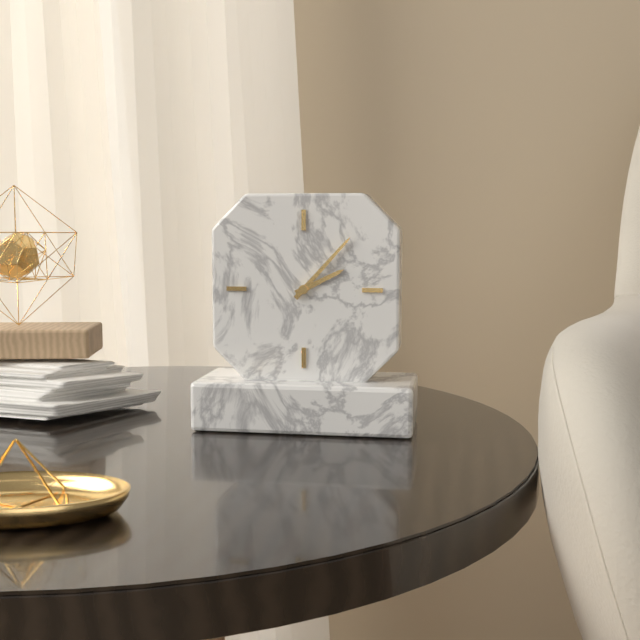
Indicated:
2.07
